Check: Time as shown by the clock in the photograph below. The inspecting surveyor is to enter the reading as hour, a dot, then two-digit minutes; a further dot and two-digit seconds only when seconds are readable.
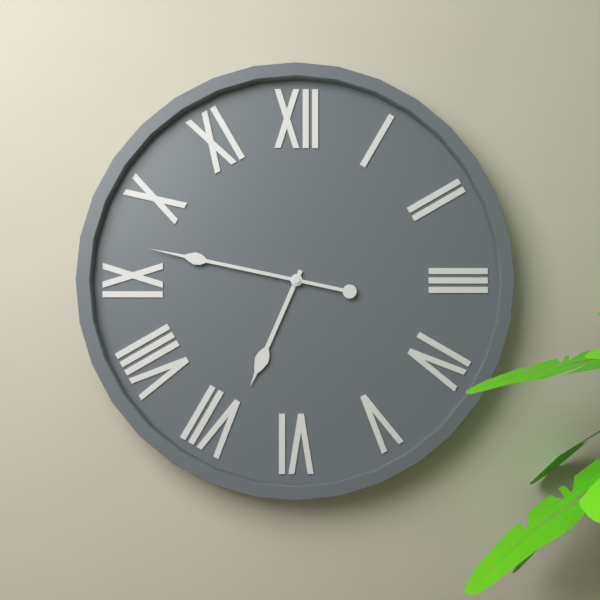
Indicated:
6.47
